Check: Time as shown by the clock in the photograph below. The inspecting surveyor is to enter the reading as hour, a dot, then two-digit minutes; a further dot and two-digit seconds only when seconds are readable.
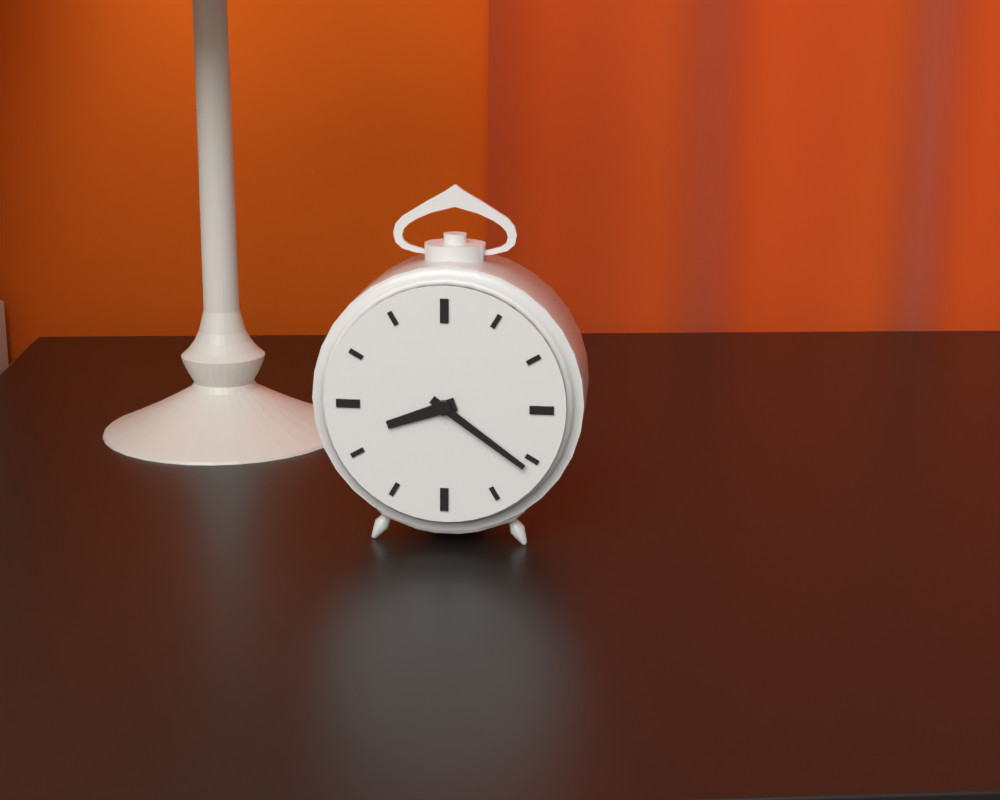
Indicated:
8.21
